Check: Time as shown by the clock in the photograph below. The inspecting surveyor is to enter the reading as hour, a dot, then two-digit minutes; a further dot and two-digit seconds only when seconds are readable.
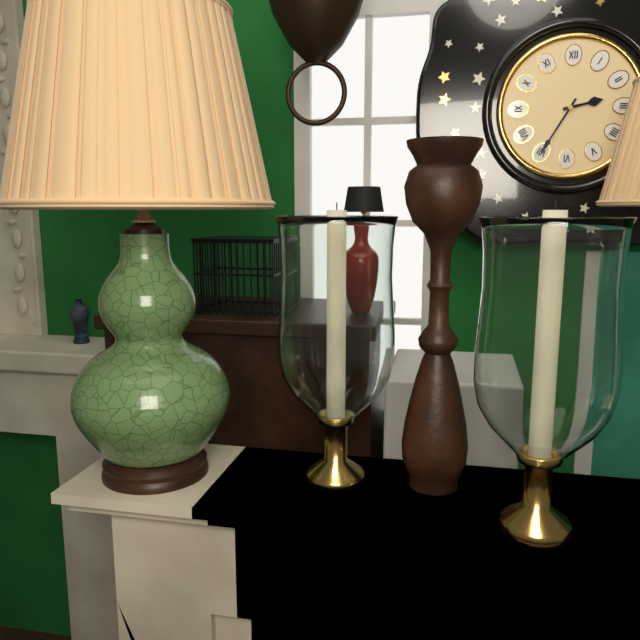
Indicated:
2.35
